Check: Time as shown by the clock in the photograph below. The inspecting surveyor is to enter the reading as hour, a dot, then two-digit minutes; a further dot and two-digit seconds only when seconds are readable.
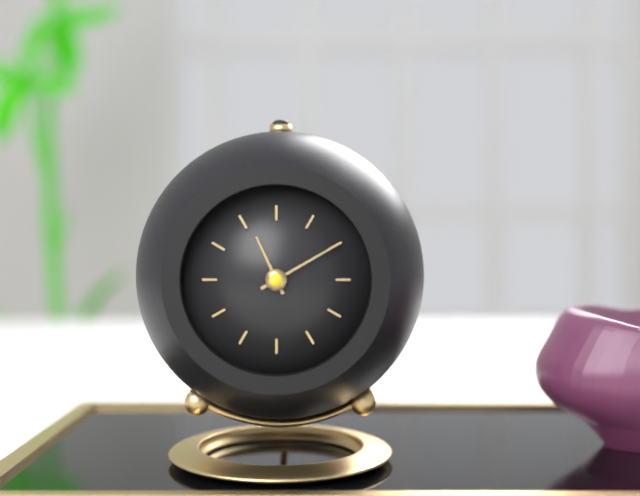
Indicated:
11.10
